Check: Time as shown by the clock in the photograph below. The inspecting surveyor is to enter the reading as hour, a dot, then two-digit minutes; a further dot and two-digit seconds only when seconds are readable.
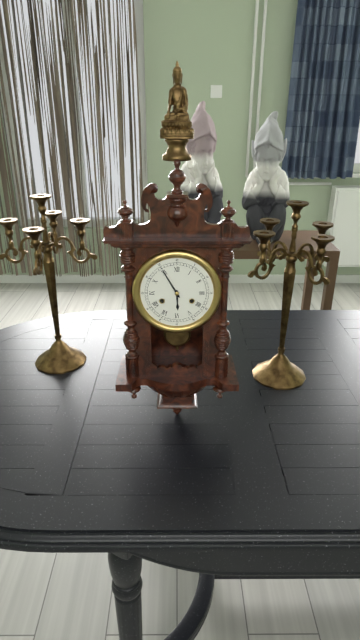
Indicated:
5.55
